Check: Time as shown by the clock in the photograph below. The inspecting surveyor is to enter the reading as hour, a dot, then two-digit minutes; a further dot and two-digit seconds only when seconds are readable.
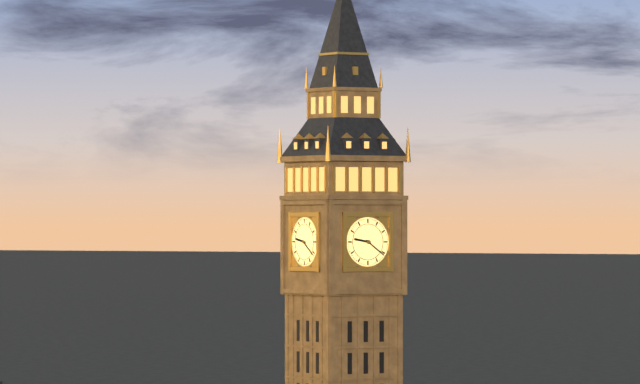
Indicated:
9.21
